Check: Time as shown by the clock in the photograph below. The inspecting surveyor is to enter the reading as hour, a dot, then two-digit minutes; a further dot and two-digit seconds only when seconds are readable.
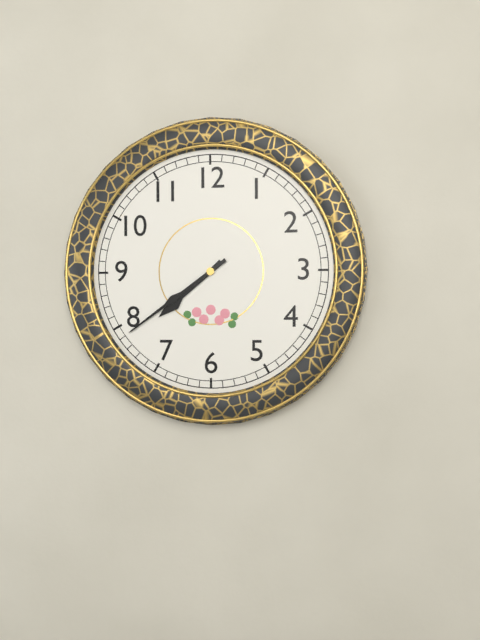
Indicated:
7.39
